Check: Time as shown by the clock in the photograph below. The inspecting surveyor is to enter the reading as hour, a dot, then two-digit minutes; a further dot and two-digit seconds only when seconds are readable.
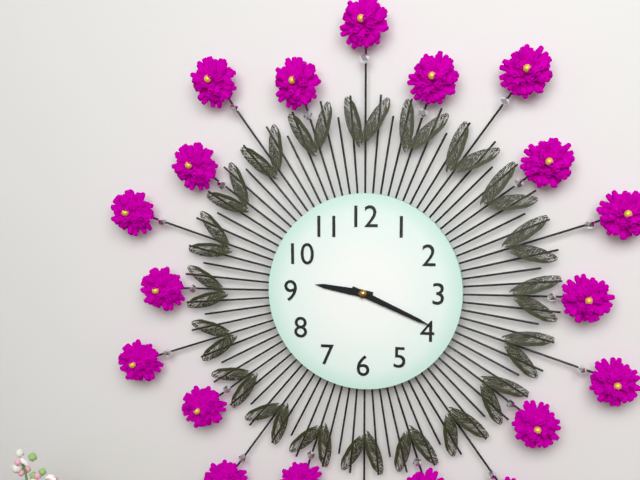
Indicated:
9.19
